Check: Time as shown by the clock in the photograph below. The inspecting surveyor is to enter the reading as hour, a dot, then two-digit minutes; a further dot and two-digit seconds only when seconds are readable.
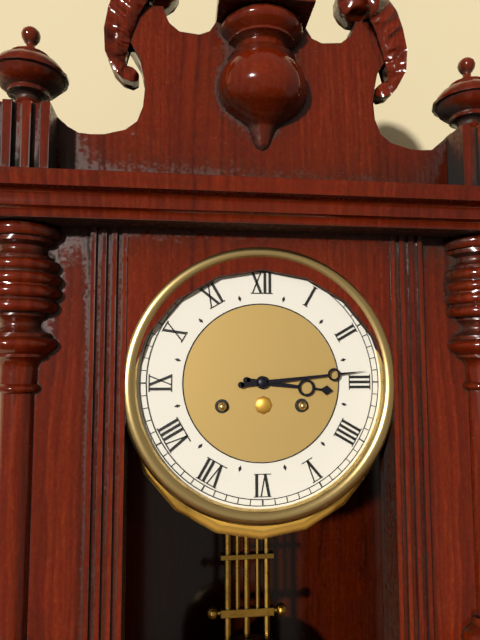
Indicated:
3.14
